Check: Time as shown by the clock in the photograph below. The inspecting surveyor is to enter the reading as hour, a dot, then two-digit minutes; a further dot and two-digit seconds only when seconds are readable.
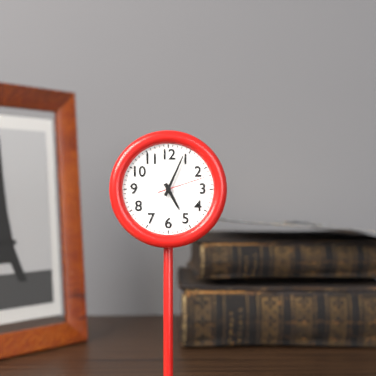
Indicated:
5.04.12
